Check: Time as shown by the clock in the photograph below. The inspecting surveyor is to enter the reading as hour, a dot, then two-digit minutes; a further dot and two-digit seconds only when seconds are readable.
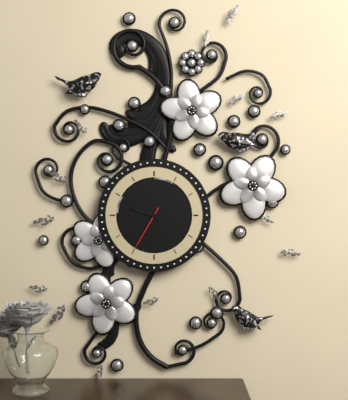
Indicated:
9.35
